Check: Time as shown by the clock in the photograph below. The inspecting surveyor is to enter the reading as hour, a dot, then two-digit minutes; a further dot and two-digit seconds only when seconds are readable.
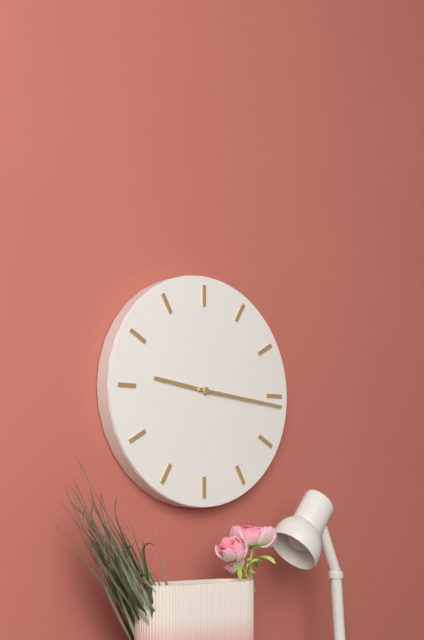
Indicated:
9.16
